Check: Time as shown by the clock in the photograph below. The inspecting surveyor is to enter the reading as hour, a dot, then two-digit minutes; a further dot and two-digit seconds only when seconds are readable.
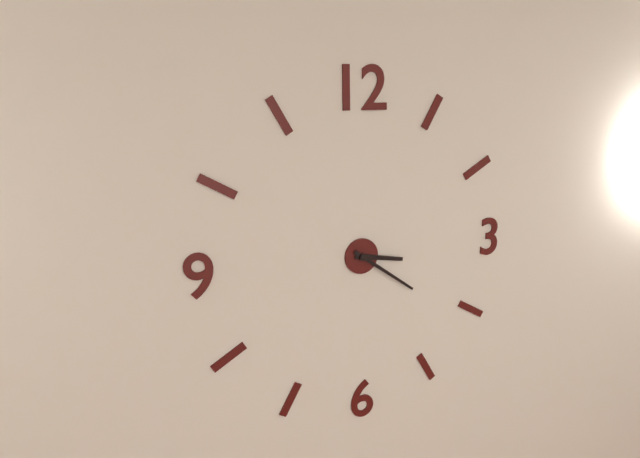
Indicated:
3.21
